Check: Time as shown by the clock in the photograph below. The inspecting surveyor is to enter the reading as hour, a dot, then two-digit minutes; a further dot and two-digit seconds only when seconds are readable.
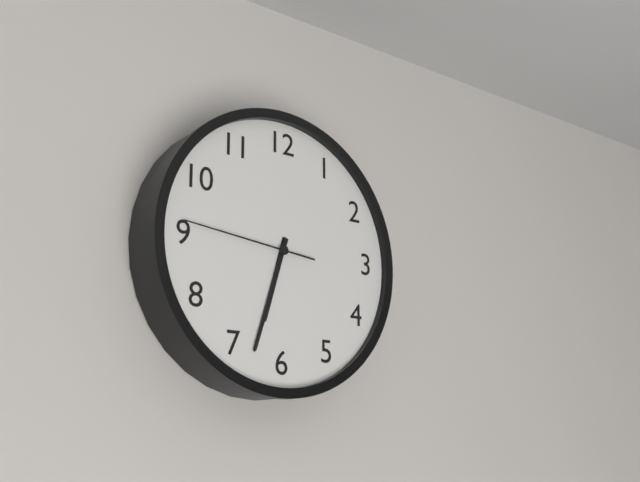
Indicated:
6.33.46
